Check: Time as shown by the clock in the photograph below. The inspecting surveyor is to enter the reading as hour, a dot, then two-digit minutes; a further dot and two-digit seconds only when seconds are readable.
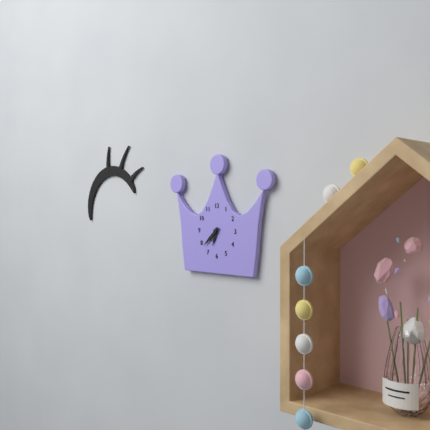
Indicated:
6.38
